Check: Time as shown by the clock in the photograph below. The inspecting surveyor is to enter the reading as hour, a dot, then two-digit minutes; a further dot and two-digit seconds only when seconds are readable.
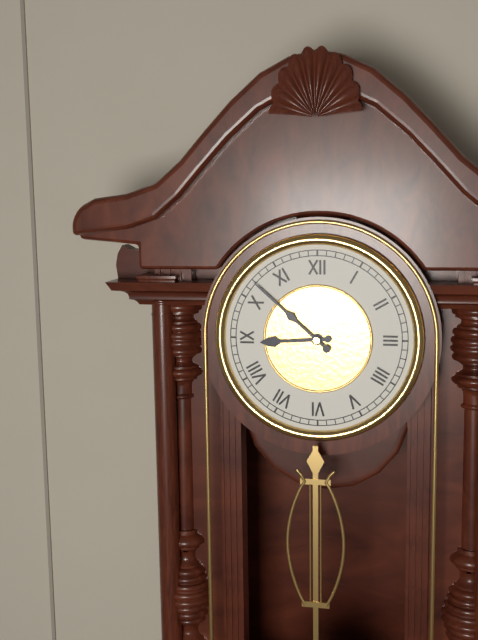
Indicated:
8.52
